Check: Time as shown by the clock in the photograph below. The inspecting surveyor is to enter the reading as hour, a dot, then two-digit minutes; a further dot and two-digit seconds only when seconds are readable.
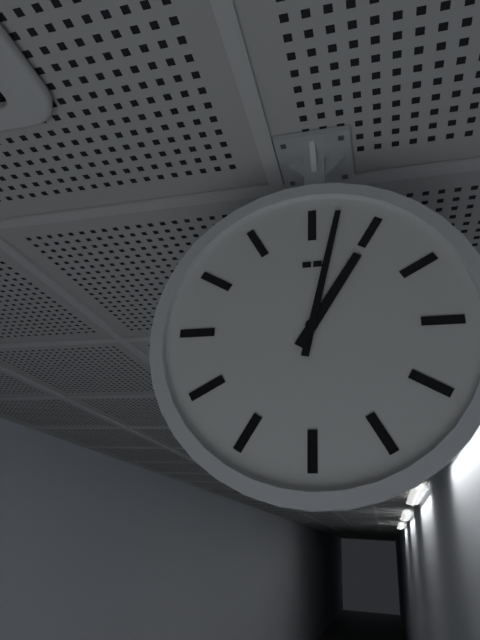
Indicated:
1.02
